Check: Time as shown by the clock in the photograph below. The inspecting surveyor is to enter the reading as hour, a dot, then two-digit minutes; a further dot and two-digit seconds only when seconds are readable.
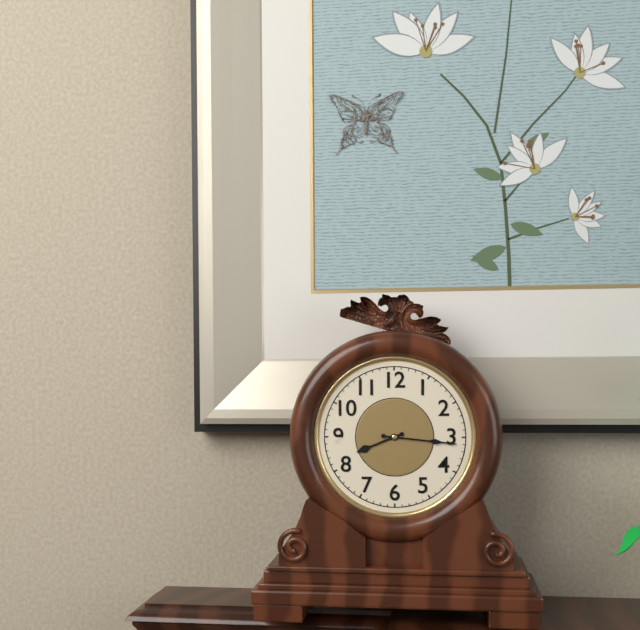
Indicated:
8.16
